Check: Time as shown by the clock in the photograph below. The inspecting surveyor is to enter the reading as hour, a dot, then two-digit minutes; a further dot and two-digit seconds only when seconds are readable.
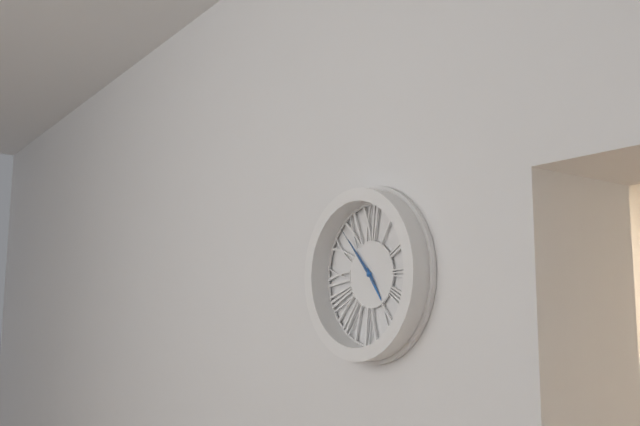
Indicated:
4.53.53
